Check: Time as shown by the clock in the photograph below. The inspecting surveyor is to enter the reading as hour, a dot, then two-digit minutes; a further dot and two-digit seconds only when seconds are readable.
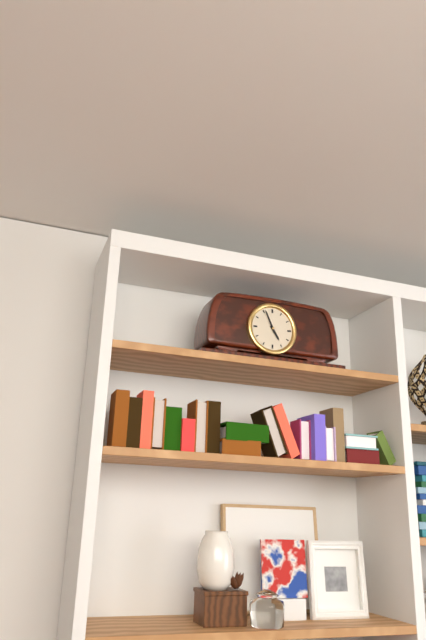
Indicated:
4.56
